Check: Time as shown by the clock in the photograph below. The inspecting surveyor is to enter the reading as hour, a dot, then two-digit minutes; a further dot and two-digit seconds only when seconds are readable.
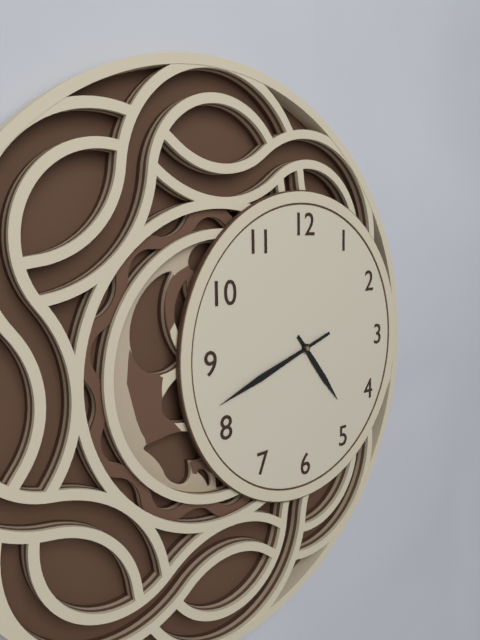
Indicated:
4.42
